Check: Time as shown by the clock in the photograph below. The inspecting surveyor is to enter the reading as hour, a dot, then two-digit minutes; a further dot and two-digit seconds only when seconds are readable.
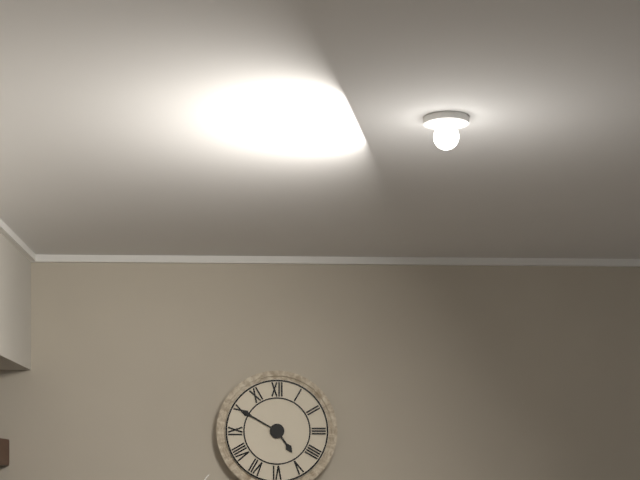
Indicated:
4.50
